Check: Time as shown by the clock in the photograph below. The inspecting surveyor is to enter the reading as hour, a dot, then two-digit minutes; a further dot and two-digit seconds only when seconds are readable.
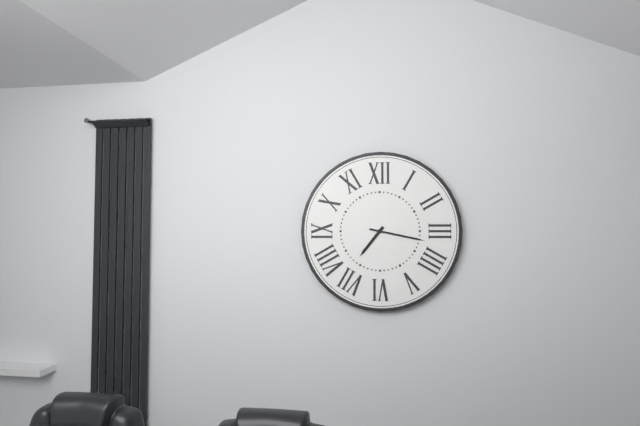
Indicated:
7.17
